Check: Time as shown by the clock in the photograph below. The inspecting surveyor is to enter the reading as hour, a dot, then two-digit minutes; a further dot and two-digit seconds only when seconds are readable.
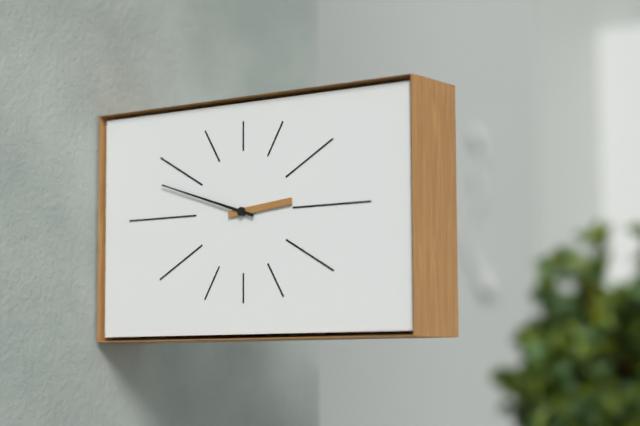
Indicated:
2.48
